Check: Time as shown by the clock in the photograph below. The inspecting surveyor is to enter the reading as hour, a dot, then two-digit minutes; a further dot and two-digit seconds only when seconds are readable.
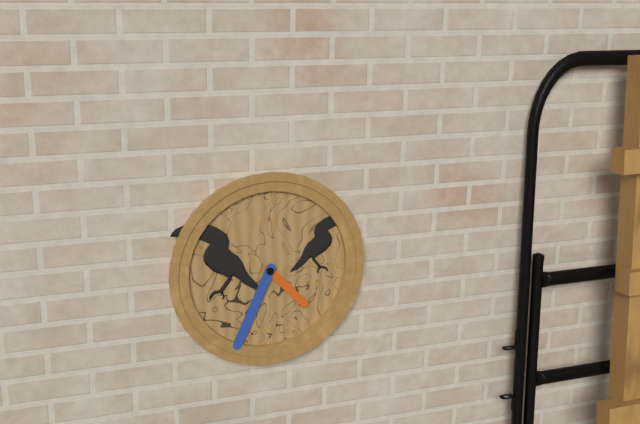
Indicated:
4.34
